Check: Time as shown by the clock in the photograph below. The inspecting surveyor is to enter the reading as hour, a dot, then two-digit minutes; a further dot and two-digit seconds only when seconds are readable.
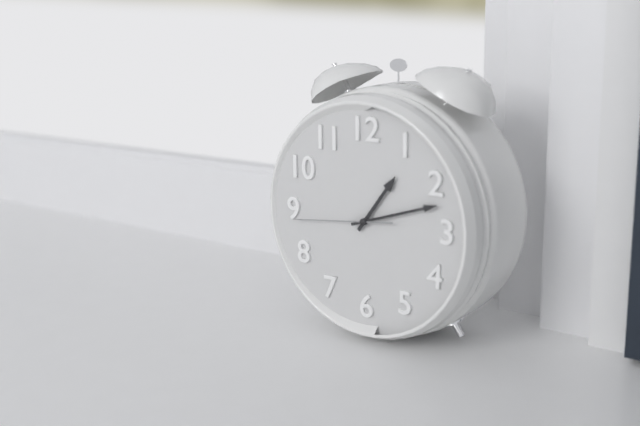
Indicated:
1.12.44
